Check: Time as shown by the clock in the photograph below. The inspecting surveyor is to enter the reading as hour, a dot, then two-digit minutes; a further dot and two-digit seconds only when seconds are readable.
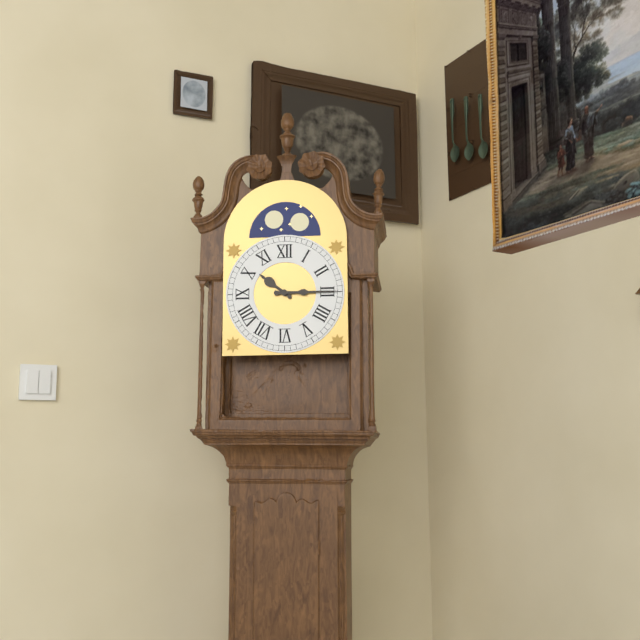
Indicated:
10.15
